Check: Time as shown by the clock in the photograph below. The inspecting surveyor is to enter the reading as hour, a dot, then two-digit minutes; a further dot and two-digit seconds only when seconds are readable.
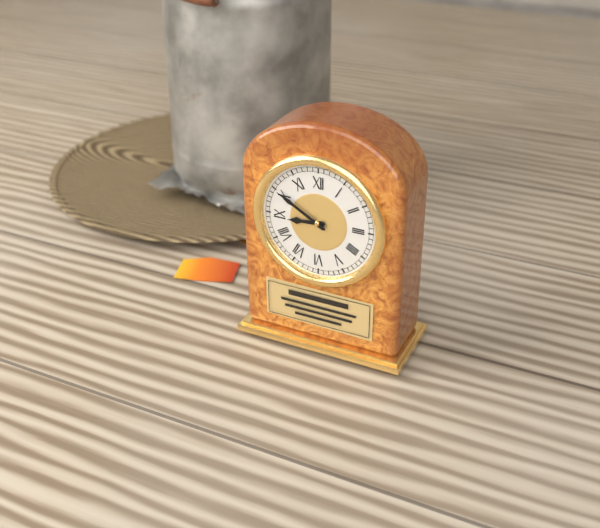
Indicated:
8.50
